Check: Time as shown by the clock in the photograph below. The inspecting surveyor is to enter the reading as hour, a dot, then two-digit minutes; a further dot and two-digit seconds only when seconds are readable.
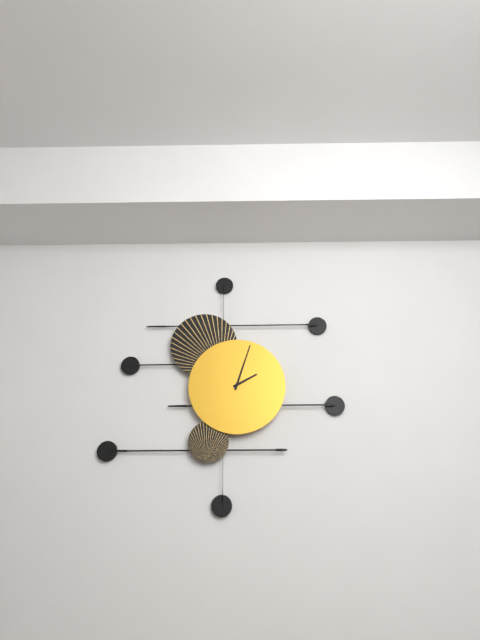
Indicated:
2.03
